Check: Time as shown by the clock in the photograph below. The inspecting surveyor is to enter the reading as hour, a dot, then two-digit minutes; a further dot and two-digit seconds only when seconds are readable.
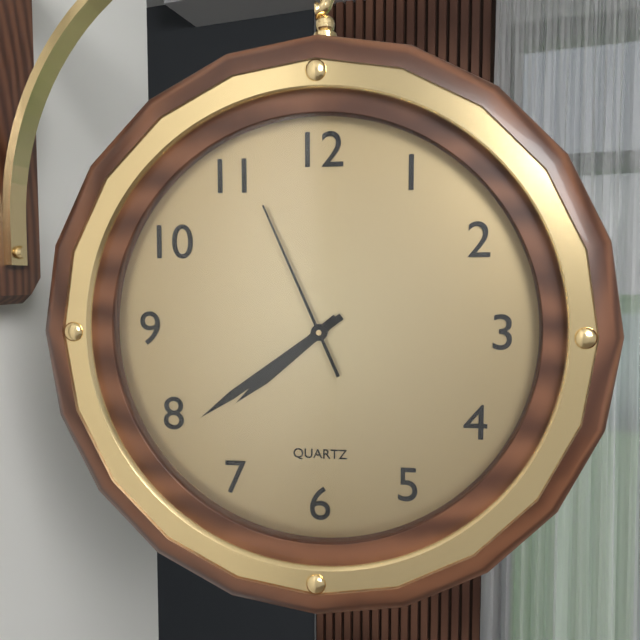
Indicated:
7.39.56
